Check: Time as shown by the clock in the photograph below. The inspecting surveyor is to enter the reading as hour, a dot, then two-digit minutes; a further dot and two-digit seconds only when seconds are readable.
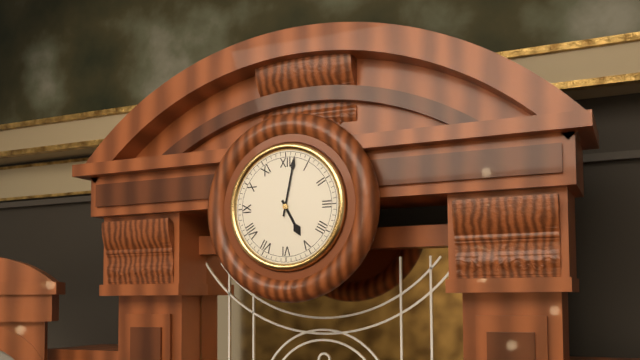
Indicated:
5.02
